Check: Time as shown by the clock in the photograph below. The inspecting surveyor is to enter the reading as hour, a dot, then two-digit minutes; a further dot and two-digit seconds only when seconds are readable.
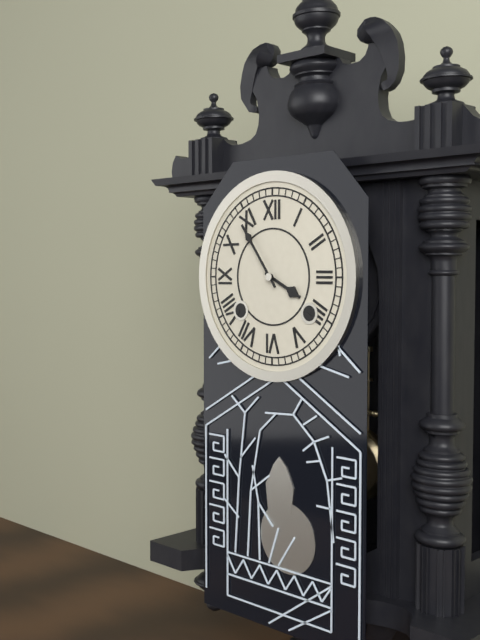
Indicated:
3.54
